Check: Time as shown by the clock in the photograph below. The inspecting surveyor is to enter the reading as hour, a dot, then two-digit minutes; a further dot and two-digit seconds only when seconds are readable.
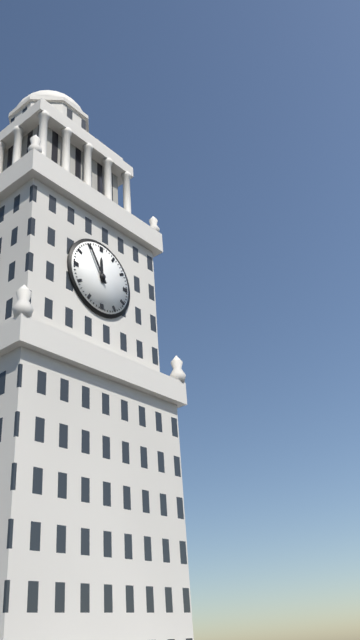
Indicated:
11.55
